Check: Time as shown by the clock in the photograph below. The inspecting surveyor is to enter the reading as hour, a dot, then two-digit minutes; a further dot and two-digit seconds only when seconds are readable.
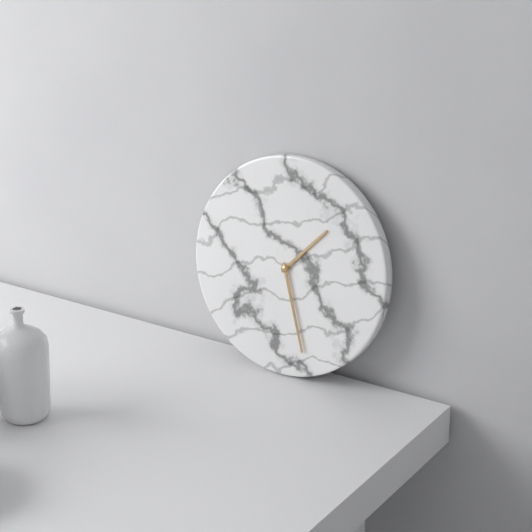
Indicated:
1.27
